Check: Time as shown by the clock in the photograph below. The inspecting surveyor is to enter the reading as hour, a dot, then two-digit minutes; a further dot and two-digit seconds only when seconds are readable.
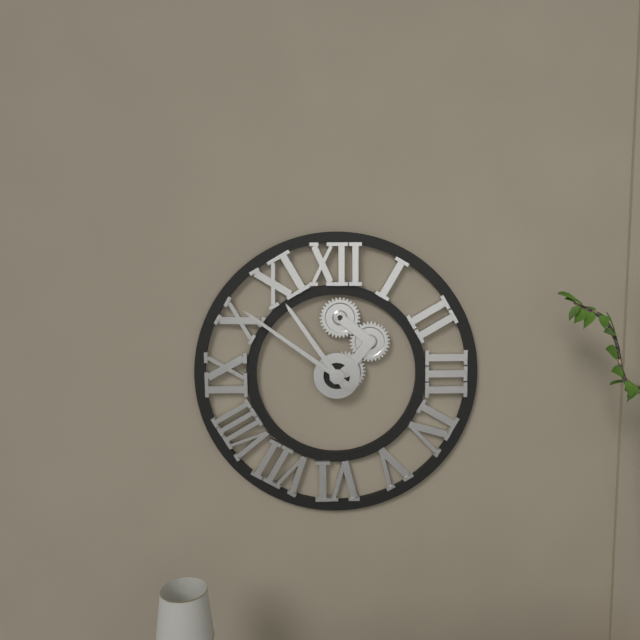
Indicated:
10.51
